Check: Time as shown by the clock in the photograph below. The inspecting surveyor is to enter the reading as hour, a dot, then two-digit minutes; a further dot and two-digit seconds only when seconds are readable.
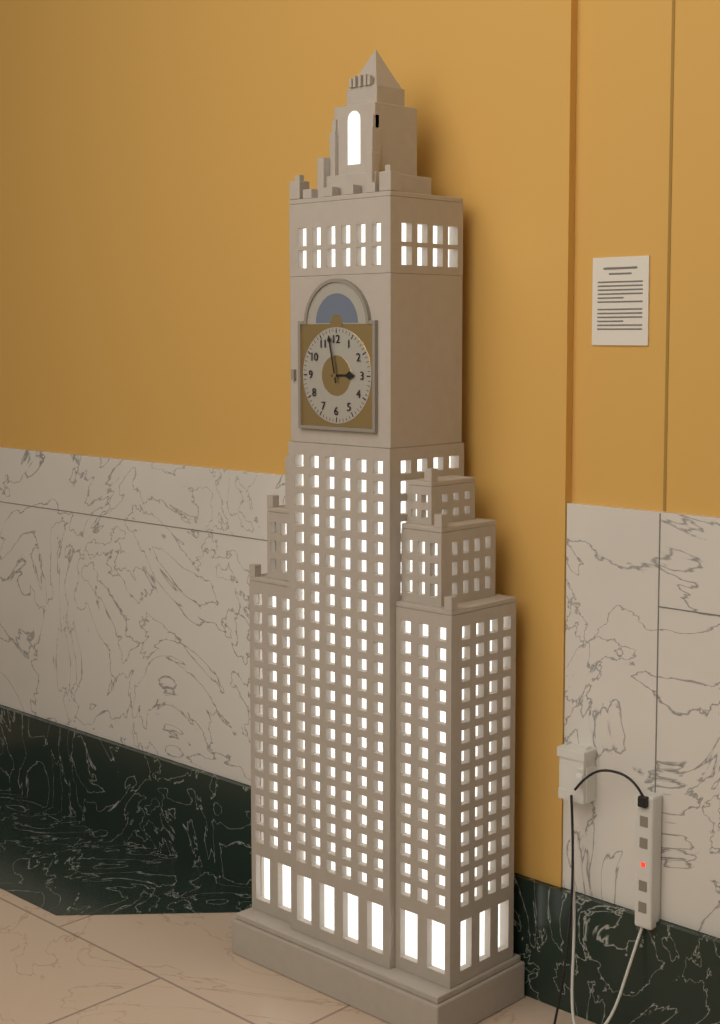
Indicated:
2.58
